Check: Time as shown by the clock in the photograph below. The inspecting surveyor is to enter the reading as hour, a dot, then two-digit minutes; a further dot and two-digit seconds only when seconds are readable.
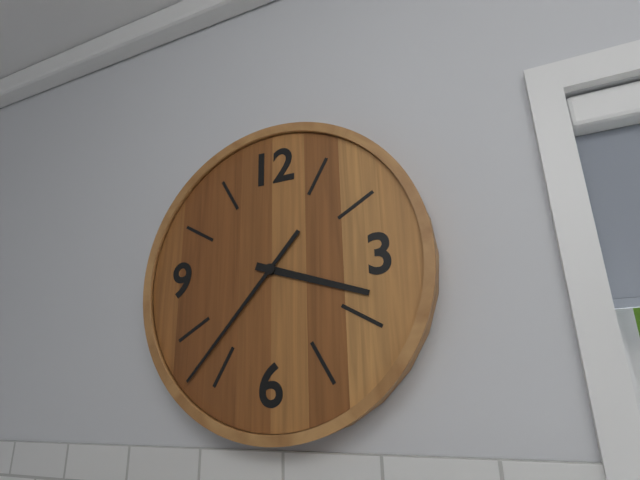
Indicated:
3.37
